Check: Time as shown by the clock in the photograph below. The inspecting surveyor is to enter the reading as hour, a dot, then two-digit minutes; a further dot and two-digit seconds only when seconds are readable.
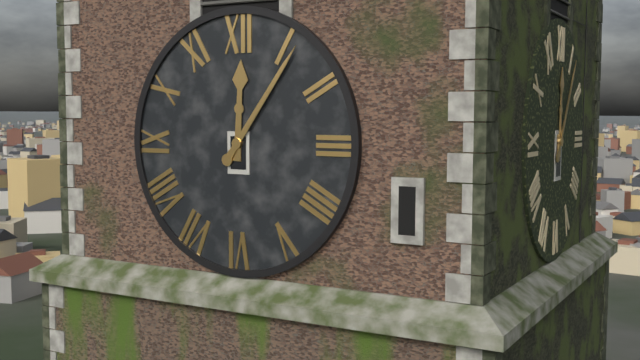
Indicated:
12.06
